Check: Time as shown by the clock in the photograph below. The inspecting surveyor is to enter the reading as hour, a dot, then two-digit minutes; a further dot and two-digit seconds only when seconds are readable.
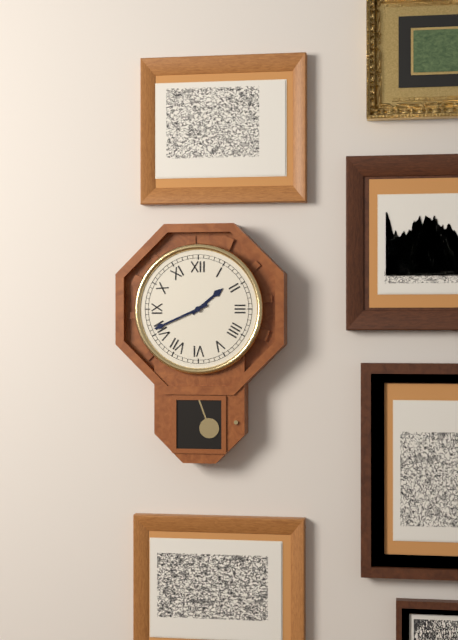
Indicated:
1.41
